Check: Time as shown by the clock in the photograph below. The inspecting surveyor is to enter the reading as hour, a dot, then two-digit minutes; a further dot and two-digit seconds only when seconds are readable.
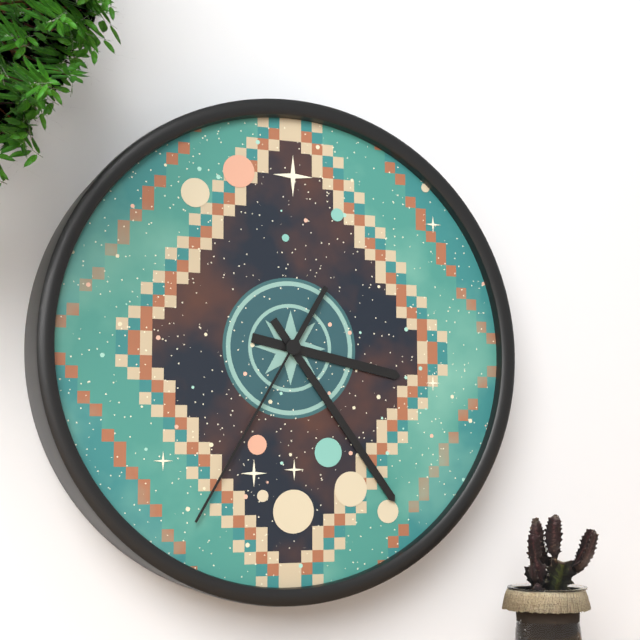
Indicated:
3.24.35
